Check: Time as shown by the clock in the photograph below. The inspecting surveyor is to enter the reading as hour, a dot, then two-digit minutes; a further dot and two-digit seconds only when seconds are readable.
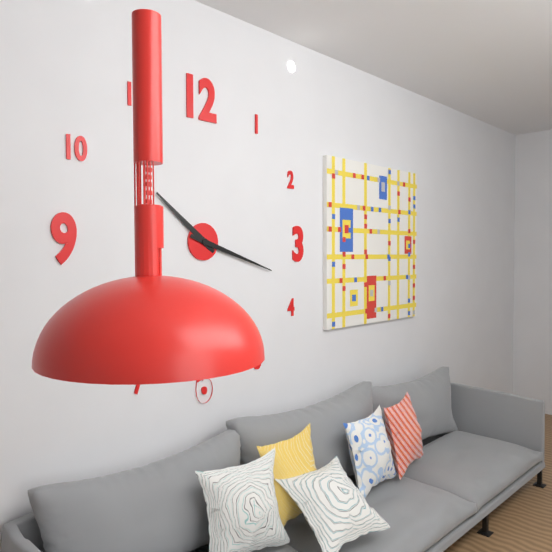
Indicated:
10.18
